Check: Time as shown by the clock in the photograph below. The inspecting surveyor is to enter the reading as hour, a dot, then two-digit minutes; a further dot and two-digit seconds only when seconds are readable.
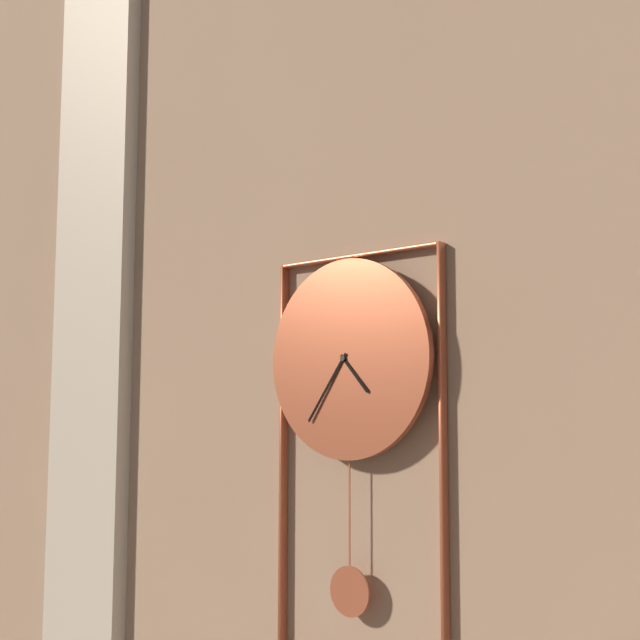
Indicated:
4.36
